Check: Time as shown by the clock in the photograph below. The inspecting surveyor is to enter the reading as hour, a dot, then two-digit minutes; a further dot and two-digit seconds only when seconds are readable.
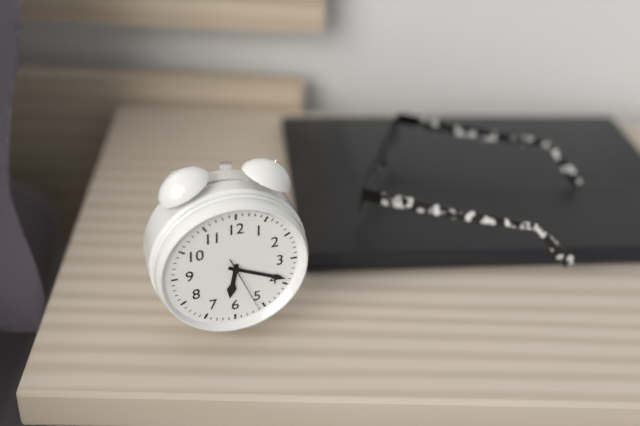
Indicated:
6.19.26
